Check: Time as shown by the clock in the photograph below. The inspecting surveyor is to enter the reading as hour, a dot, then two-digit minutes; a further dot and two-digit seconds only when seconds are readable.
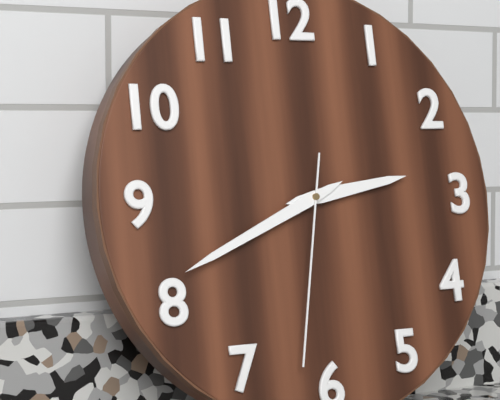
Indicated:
2.41.32
